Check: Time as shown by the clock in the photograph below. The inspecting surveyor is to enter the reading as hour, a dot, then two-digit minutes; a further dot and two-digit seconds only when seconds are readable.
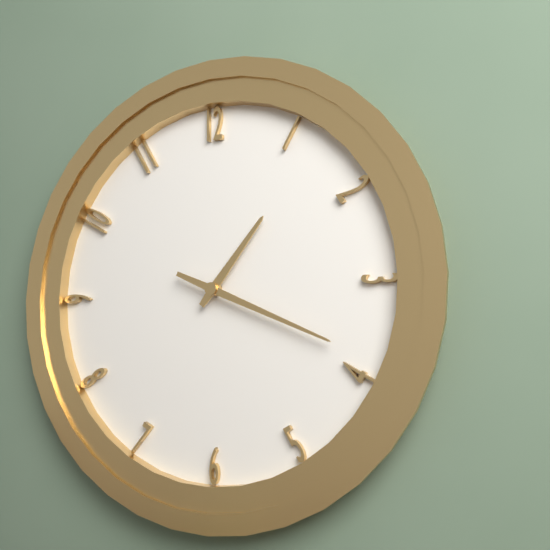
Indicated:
1.19
